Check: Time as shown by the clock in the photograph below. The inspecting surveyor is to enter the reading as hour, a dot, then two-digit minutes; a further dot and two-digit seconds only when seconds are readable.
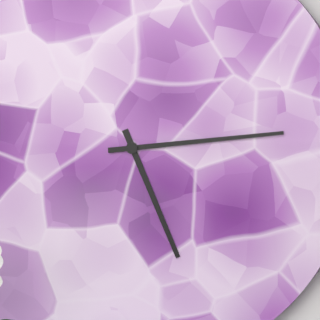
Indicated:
5.14
